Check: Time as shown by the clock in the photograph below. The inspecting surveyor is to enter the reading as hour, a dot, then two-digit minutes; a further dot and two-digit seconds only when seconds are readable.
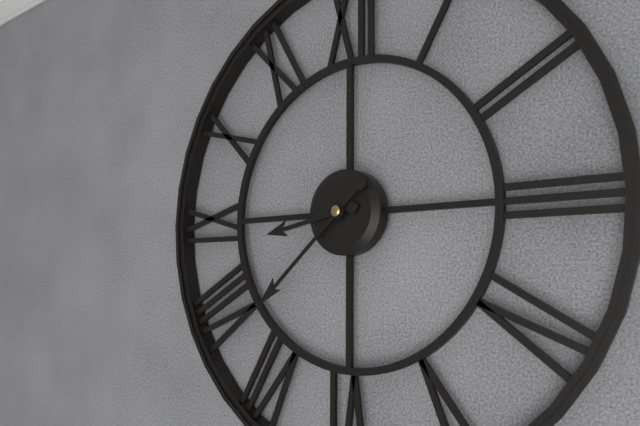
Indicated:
8.38
